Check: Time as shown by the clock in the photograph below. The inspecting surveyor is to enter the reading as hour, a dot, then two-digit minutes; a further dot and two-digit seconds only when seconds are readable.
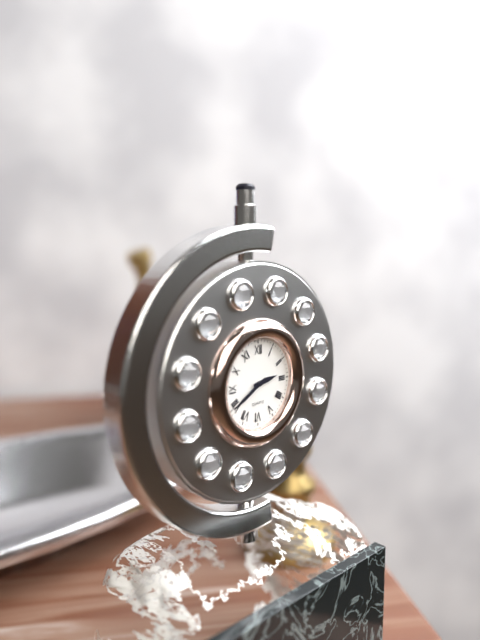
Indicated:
2.40
